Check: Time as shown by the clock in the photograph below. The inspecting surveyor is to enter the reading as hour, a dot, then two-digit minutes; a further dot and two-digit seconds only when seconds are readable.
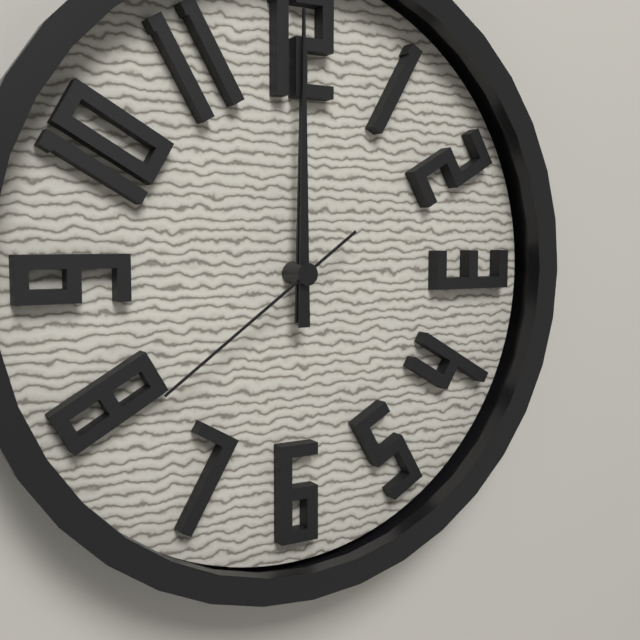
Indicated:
12.00.39
